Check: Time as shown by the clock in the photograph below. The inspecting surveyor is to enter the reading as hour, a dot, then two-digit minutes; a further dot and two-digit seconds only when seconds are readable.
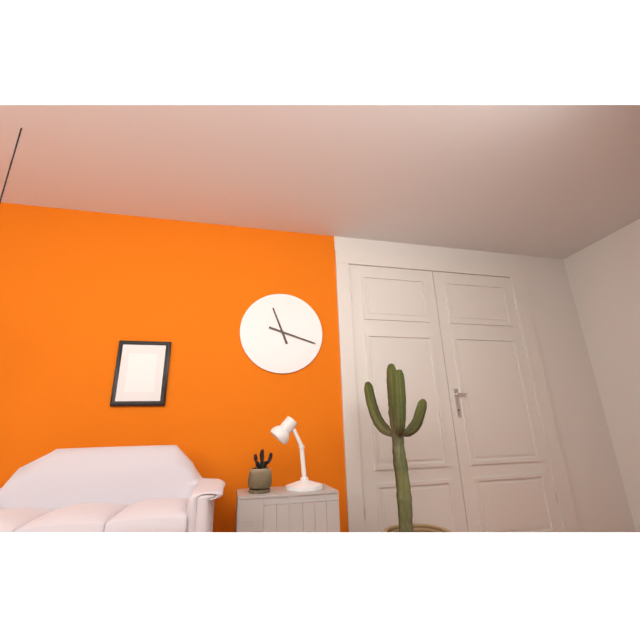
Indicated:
11.18
